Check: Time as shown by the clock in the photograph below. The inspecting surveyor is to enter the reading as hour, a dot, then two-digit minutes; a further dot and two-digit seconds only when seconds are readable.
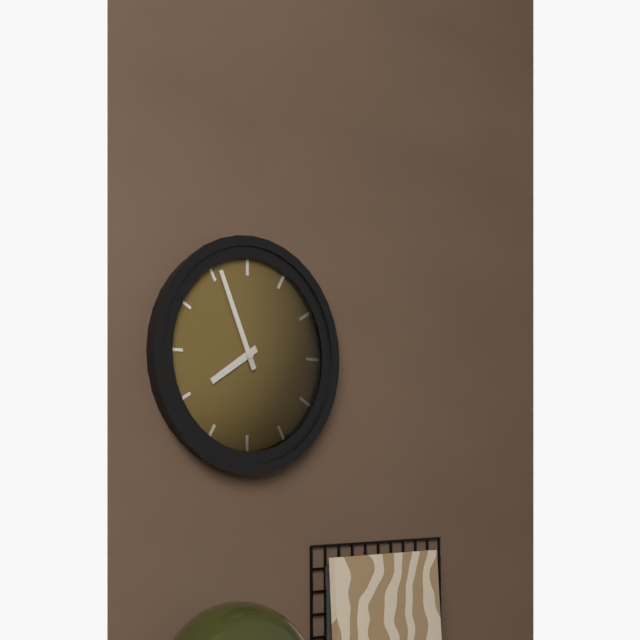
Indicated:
7.56
